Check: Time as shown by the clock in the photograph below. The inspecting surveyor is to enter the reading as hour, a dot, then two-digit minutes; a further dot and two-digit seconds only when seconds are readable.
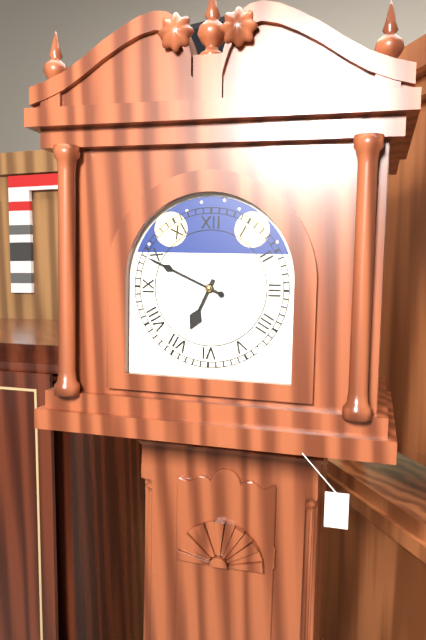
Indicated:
6.49
